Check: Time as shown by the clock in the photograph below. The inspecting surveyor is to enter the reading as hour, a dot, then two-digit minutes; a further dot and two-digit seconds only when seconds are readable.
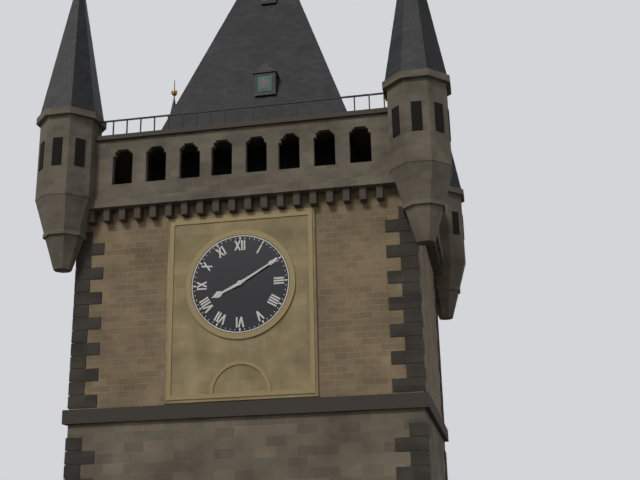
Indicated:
8.10
